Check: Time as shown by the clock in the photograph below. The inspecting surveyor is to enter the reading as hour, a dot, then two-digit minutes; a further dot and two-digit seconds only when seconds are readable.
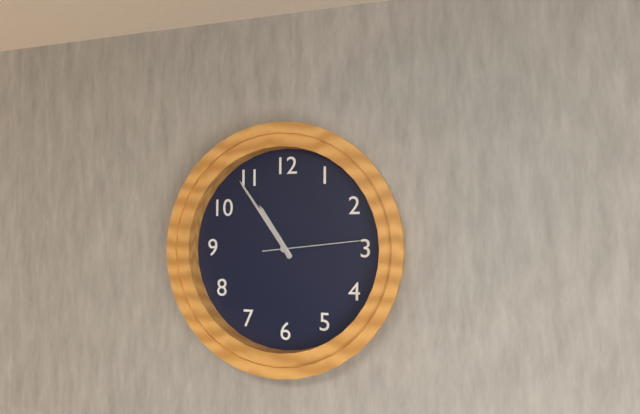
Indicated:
10.54.14
